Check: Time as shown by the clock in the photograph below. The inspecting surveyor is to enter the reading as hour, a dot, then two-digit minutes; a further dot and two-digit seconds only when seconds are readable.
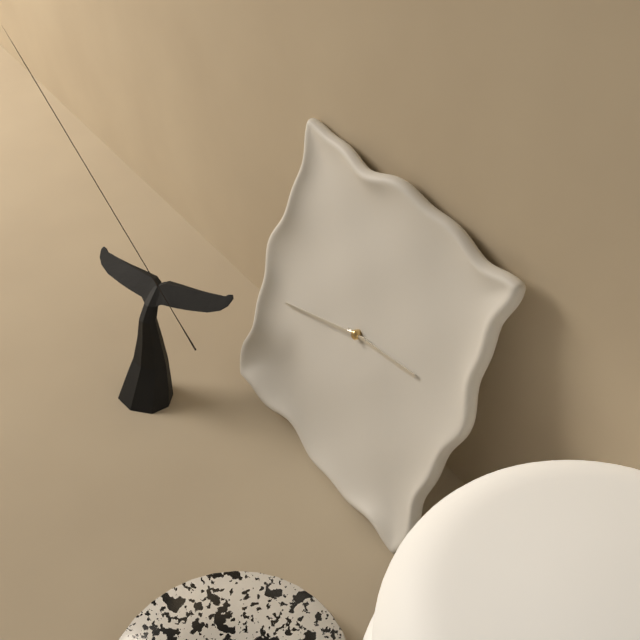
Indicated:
2.42
